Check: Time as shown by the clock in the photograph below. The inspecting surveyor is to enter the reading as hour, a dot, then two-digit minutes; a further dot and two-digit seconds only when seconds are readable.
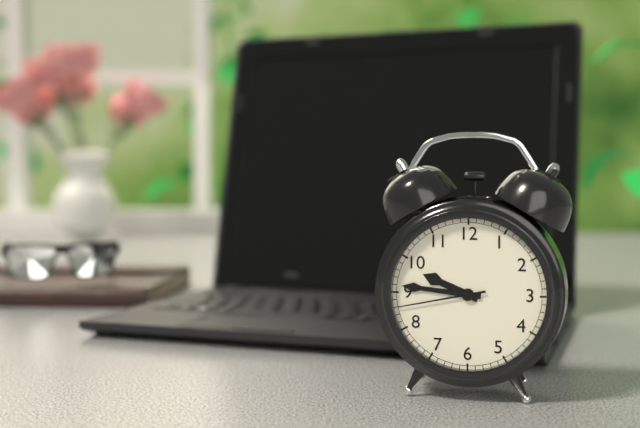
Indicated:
9.46.43
